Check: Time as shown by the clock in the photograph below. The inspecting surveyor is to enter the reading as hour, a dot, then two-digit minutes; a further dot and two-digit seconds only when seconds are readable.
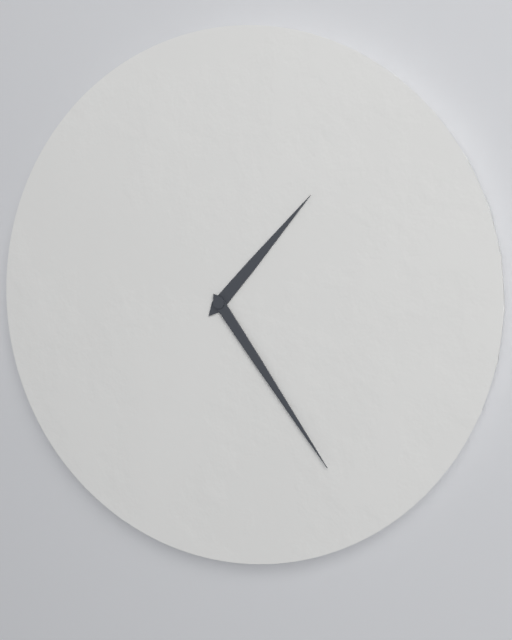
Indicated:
1.24
